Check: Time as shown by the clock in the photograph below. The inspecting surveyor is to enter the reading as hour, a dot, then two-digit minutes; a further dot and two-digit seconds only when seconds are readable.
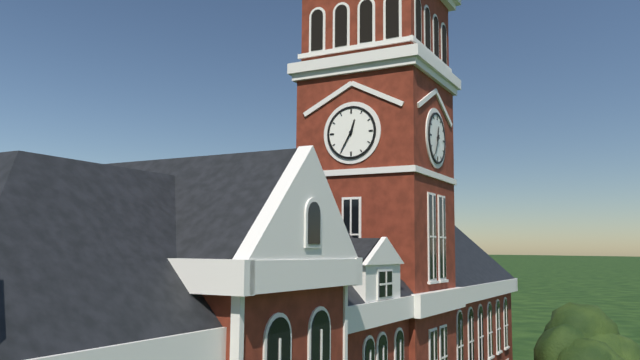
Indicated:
12.35
